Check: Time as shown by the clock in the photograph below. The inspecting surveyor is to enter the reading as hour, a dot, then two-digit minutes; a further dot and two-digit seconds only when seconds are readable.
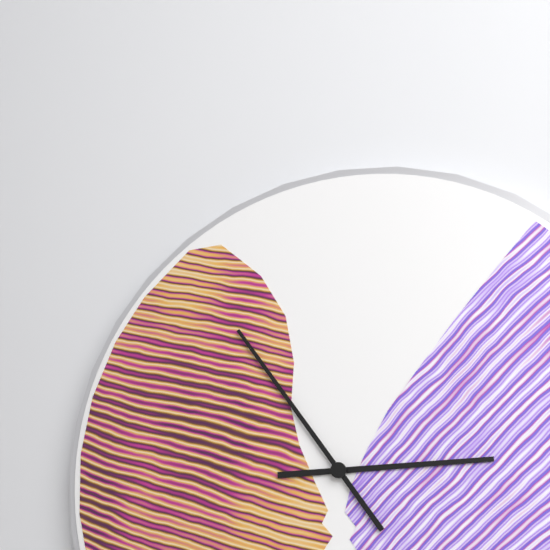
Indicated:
2.54
